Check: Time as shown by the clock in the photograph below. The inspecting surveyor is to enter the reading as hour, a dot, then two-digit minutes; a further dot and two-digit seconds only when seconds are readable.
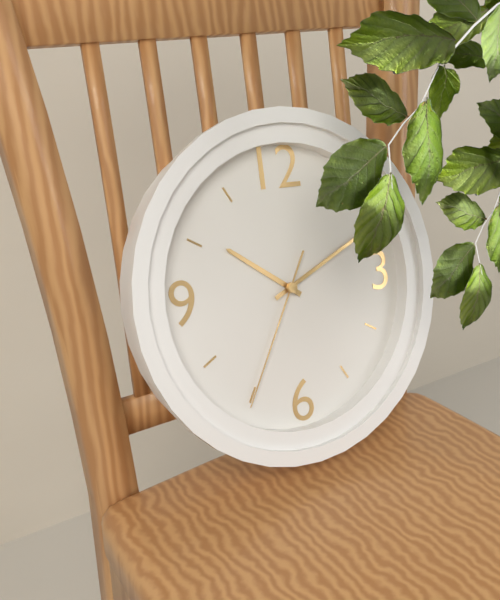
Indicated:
10.11.35
